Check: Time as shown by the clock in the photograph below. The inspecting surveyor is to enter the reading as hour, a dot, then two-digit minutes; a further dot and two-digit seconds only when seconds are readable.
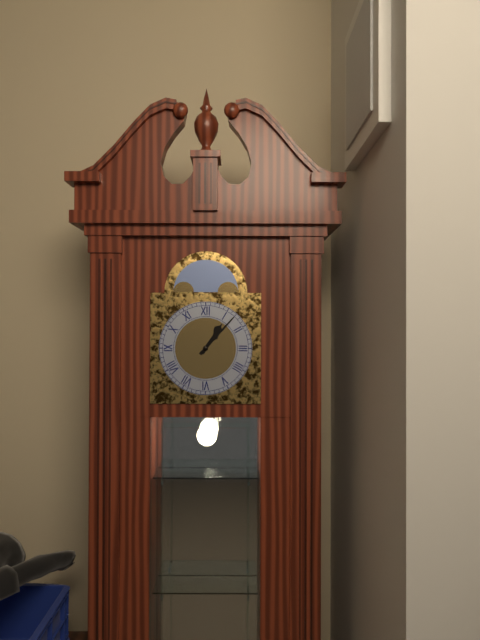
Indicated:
1.07
